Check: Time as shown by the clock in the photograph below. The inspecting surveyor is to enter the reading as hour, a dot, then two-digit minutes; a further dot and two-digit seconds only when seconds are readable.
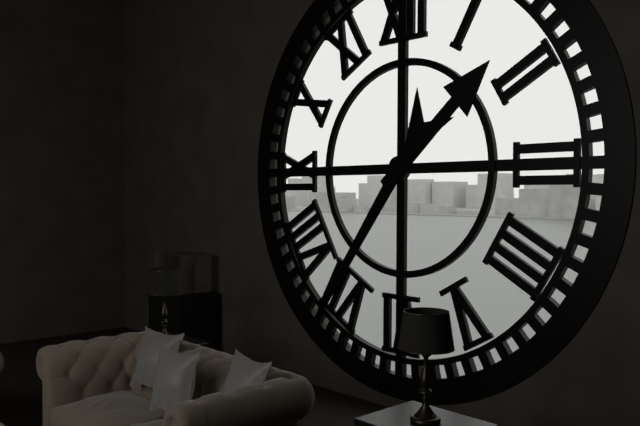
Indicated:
1.36
